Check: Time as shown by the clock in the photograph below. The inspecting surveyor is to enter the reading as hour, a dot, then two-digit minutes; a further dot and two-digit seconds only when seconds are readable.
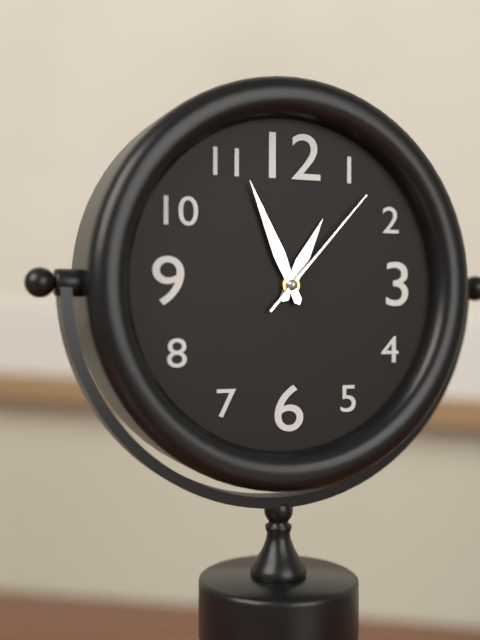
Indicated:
12.56.07
